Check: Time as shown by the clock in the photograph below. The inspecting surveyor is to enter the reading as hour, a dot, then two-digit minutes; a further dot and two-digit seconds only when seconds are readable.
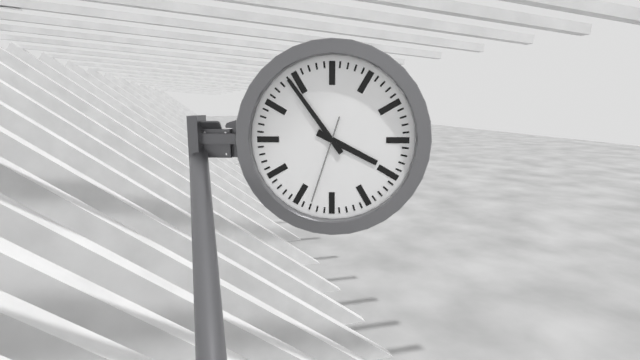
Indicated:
3.54.33
